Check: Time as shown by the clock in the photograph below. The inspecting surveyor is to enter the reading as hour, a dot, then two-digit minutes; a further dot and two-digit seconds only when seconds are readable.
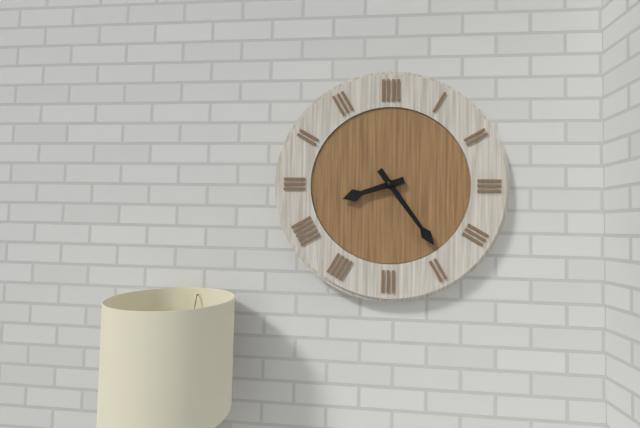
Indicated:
8.24
